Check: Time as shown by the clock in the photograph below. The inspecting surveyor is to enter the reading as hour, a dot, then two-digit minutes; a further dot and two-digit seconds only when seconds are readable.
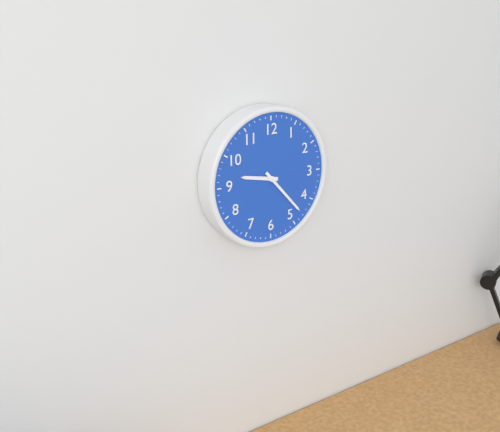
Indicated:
9.23
